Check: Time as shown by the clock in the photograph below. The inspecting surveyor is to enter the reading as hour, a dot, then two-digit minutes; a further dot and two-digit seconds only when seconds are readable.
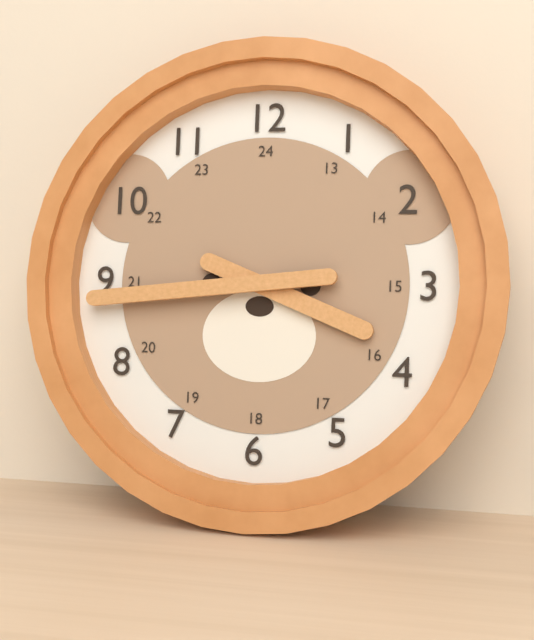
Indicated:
3.44
